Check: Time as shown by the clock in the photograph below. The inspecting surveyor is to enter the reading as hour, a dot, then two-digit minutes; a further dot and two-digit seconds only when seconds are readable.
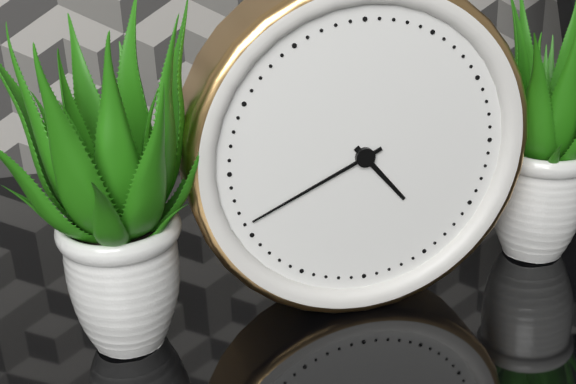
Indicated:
4.41
